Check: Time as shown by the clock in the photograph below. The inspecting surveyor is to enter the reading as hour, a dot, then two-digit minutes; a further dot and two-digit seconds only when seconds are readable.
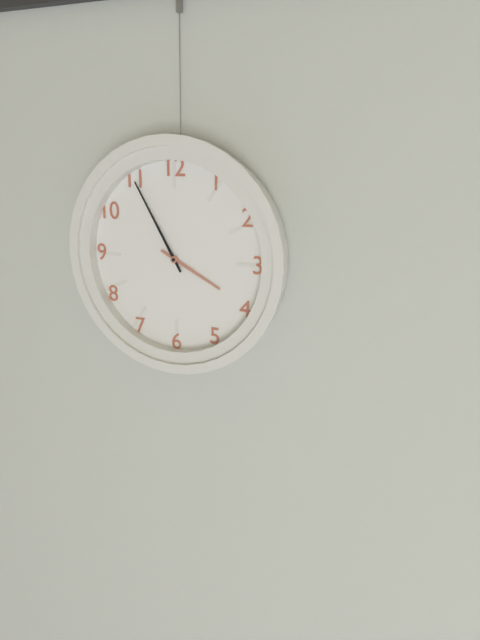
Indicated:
3.55
